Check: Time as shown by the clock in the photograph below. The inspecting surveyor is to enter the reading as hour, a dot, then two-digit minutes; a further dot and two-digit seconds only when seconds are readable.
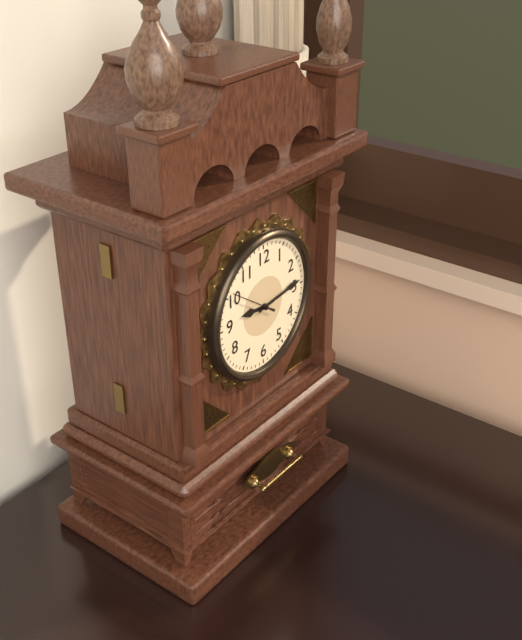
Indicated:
9.14
